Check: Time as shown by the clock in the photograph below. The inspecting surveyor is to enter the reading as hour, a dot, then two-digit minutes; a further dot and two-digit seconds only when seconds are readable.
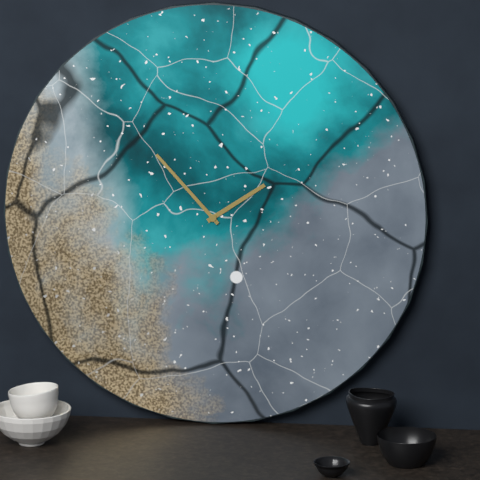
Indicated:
1.53
